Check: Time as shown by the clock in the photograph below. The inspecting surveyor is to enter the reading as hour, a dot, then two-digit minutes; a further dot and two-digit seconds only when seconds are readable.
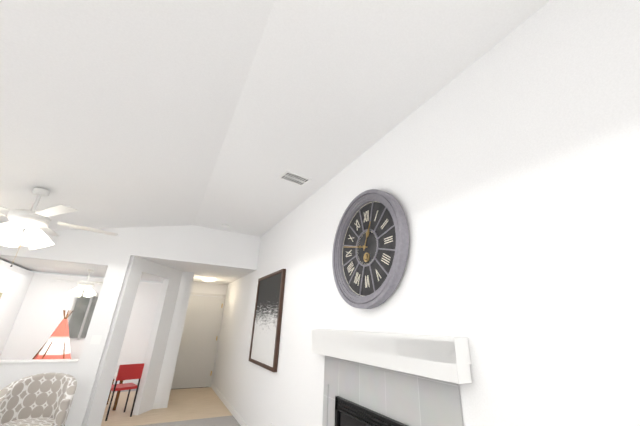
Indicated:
12.47
